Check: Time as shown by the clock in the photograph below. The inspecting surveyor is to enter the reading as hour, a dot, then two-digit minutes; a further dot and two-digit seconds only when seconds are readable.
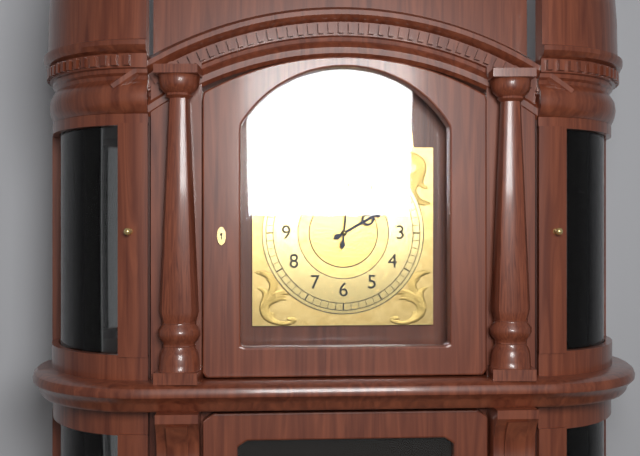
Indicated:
2.01
